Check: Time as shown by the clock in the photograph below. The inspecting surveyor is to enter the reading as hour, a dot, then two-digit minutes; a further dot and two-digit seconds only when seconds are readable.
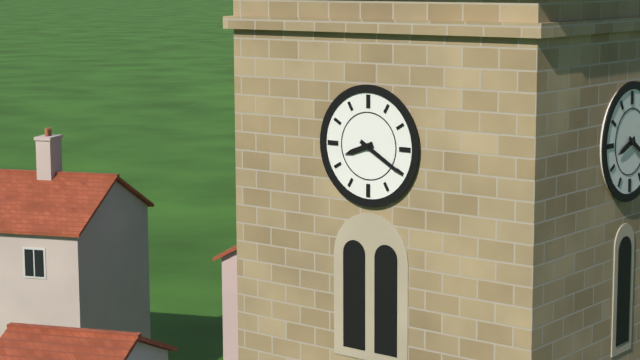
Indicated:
8.20
